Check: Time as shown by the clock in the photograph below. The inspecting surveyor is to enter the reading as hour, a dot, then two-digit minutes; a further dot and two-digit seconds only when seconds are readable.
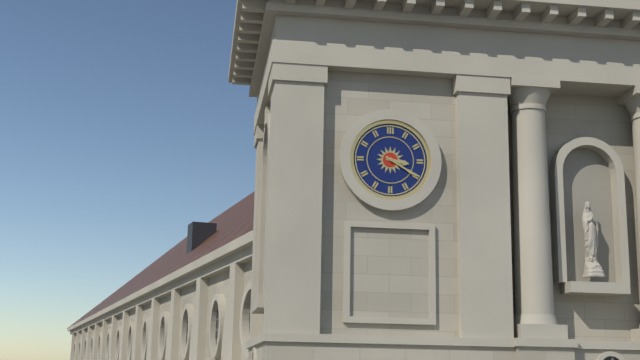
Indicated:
3.20
